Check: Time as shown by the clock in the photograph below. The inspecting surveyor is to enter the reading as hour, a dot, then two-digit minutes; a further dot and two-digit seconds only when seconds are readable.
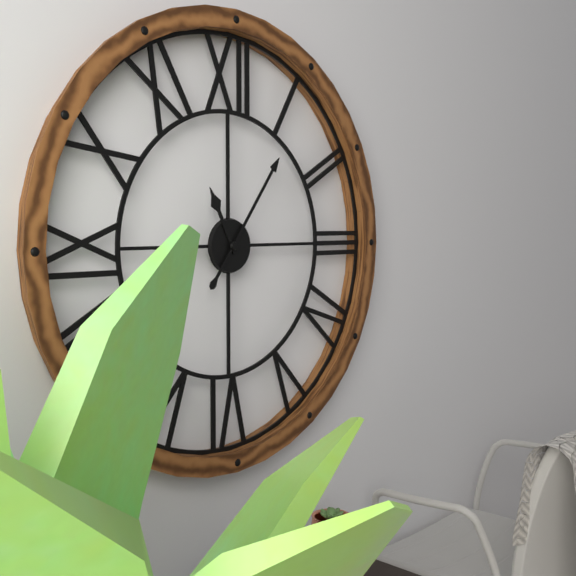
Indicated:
11.06
